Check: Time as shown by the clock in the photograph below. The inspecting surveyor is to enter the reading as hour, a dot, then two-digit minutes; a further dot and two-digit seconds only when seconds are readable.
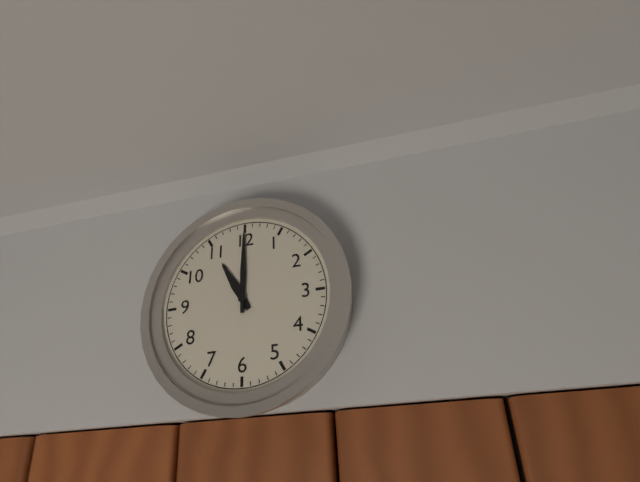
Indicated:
11.00
